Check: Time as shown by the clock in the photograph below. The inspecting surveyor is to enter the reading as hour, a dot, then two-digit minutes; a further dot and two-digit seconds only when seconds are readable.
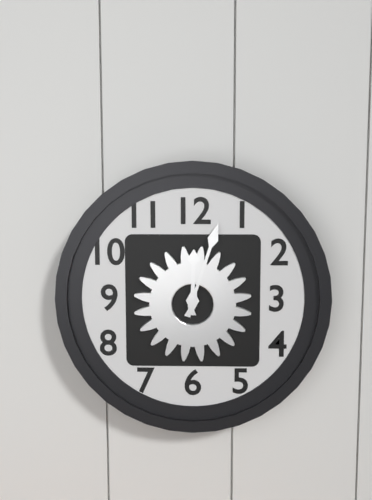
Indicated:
12.03
